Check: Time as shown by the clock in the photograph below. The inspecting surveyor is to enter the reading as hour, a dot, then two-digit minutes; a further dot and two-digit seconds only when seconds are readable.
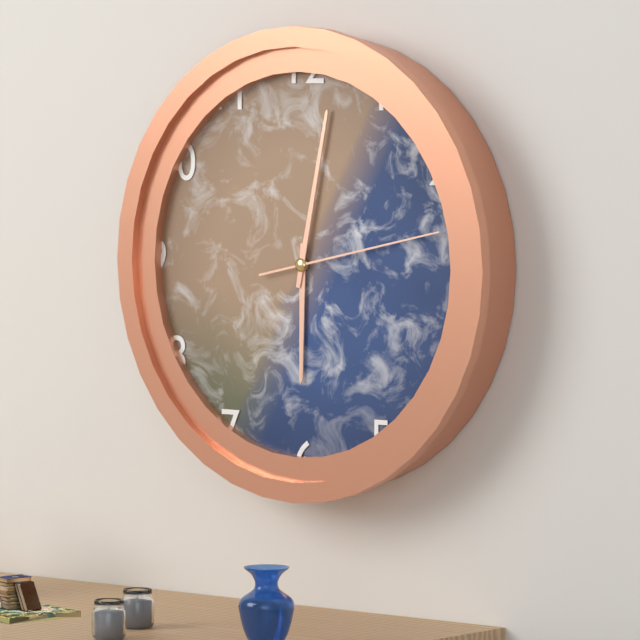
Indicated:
6.02.13
